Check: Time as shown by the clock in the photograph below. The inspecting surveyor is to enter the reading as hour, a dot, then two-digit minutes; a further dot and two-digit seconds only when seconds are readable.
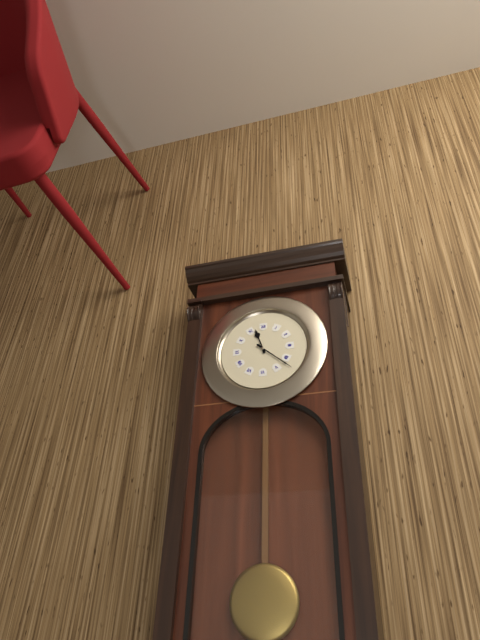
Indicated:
11.22
